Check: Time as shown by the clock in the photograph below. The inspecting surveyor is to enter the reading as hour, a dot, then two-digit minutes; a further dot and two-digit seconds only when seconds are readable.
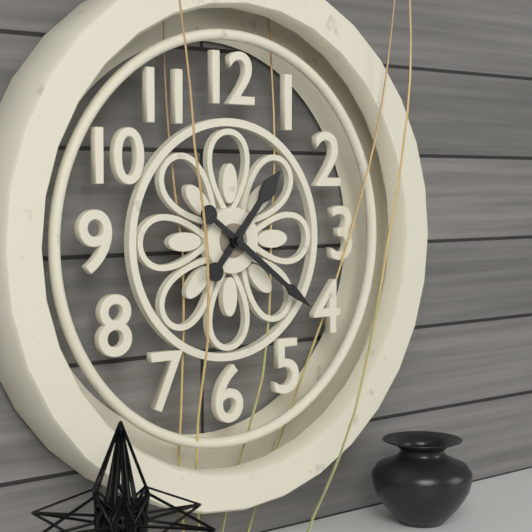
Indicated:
1.21
